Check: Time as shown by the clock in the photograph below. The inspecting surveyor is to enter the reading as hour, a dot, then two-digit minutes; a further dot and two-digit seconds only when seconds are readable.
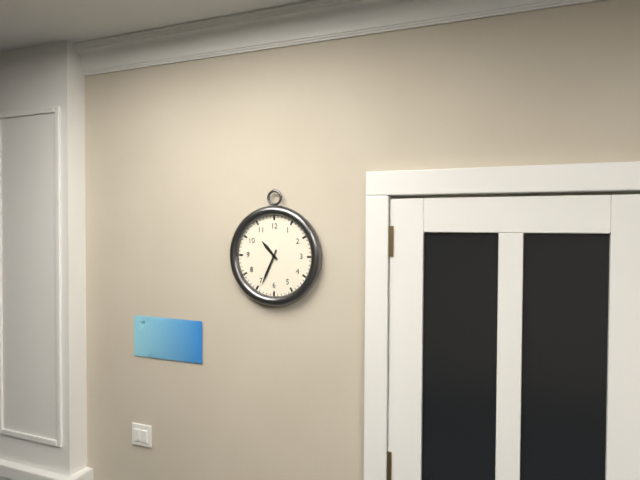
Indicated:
10.34
